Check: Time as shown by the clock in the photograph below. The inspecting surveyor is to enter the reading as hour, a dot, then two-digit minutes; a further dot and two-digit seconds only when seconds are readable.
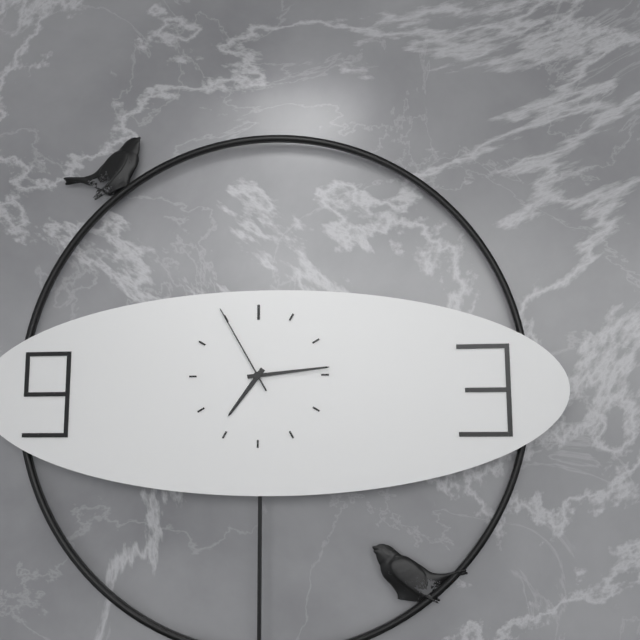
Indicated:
7.14.55
